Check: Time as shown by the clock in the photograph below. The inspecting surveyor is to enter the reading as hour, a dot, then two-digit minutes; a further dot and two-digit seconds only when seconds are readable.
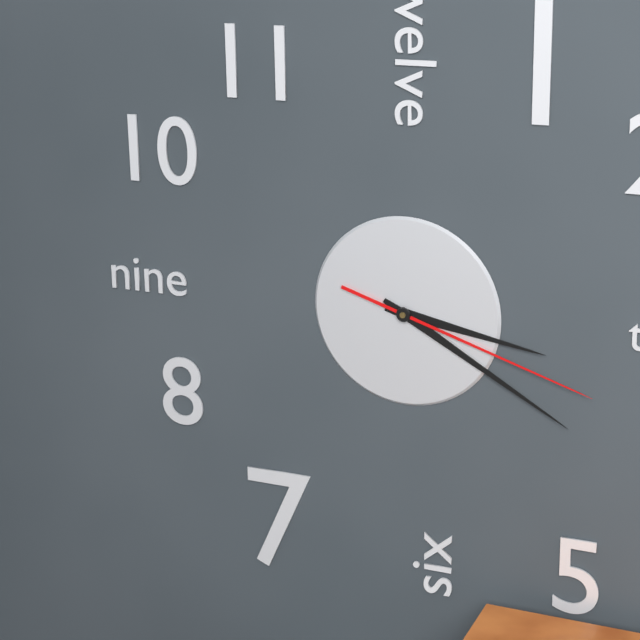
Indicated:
3.20.18
